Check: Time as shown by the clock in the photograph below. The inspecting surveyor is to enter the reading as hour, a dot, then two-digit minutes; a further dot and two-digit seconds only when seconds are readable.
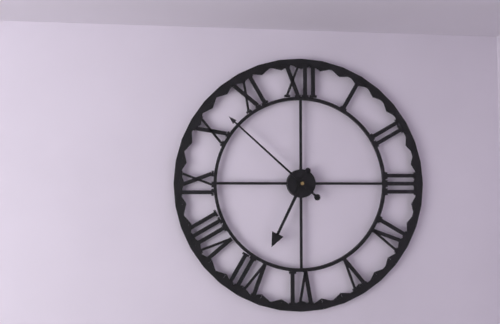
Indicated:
6.52
